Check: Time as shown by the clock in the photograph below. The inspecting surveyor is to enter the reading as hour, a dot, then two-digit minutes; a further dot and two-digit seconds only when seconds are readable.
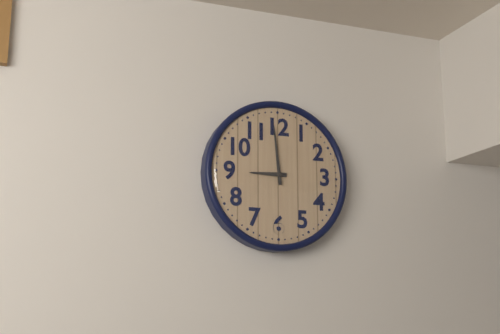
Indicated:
8.59
